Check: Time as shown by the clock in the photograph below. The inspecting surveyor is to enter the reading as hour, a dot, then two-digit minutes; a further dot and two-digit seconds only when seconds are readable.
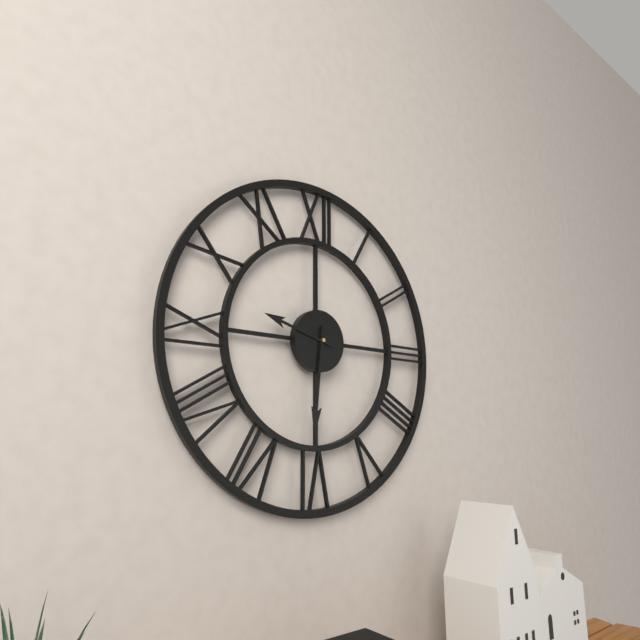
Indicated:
9.31
